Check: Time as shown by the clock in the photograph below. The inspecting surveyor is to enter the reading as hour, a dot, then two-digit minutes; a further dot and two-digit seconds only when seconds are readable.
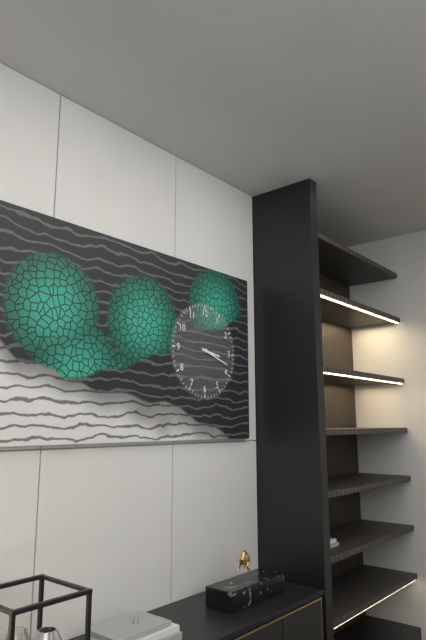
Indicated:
3.18
